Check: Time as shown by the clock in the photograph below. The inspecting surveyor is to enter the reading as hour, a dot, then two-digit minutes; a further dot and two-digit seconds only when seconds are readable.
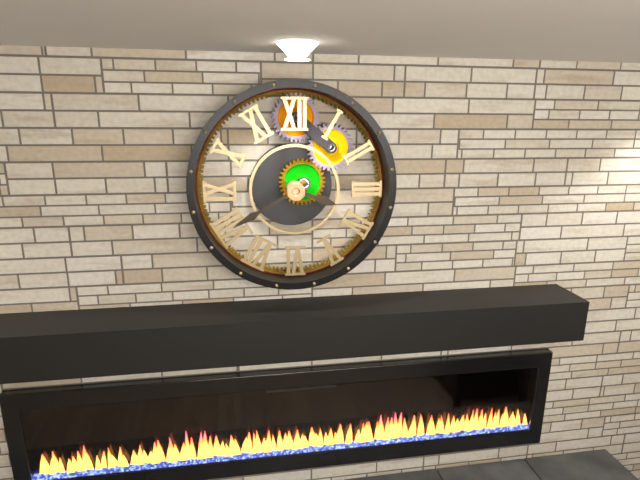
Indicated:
3.40
